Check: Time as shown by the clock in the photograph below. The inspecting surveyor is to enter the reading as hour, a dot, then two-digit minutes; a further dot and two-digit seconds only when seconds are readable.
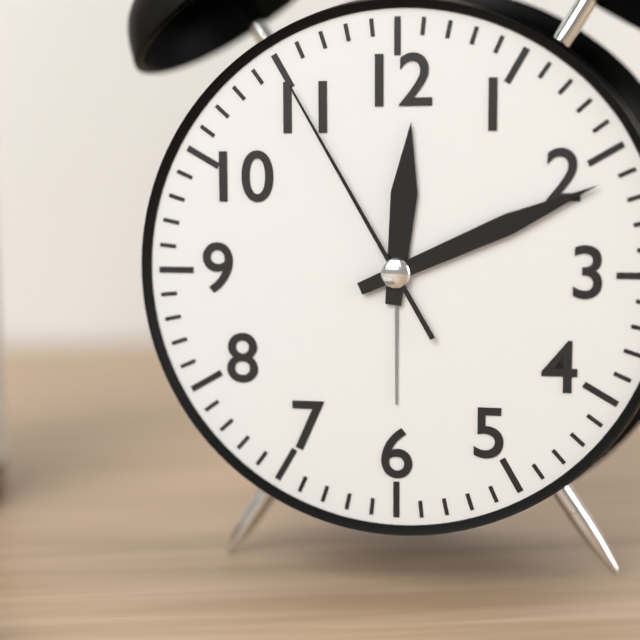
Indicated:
12.11.55
